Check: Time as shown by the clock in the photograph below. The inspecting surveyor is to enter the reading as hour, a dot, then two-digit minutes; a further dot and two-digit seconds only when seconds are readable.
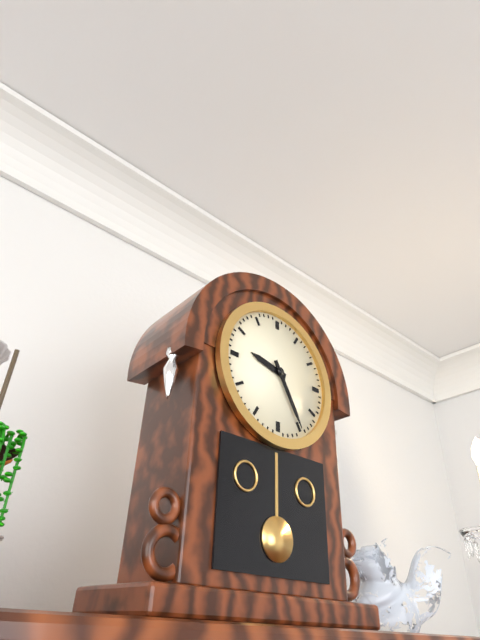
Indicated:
9.25
